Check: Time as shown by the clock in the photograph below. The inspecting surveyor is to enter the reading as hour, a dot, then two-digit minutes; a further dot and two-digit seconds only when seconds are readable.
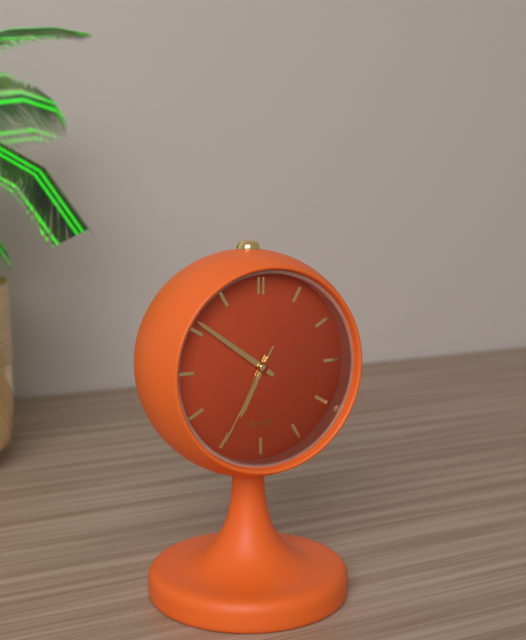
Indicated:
6.51.35
